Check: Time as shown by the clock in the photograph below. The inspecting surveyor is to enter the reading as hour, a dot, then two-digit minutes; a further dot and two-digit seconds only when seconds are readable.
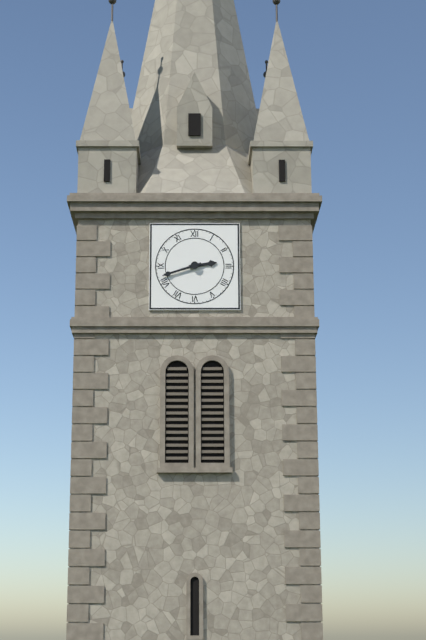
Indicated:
2.42
